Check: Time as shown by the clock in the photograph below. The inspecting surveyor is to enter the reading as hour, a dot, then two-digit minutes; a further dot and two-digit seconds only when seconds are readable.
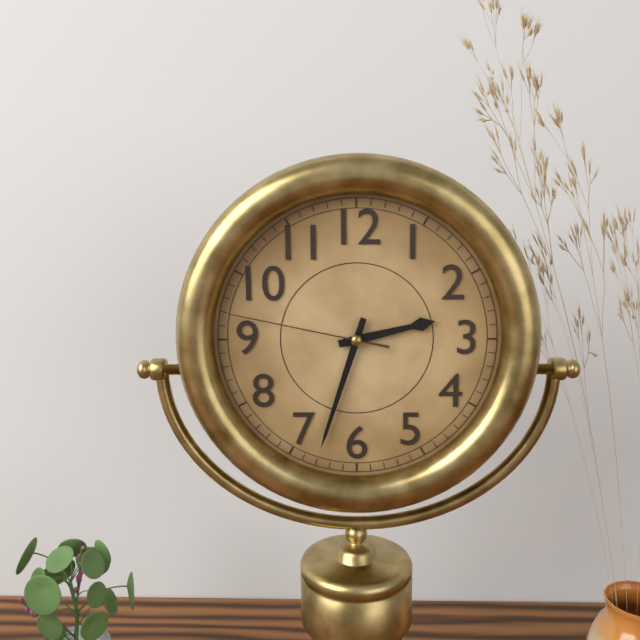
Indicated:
2.33.47
